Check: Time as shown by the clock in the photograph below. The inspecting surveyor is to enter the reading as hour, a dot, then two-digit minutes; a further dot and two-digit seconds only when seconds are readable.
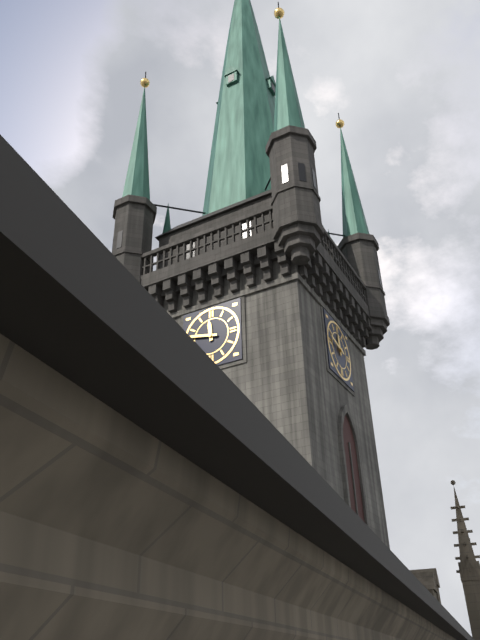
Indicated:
11.47
